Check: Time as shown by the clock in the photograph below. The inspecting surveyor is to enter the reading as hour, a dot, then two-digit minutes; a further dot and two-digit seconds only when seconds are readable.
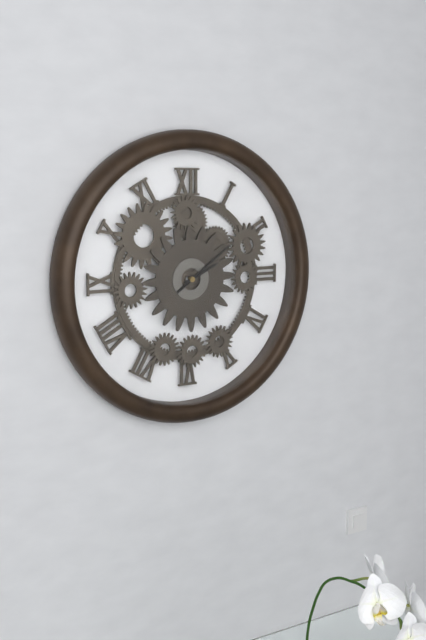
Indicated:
2.09
